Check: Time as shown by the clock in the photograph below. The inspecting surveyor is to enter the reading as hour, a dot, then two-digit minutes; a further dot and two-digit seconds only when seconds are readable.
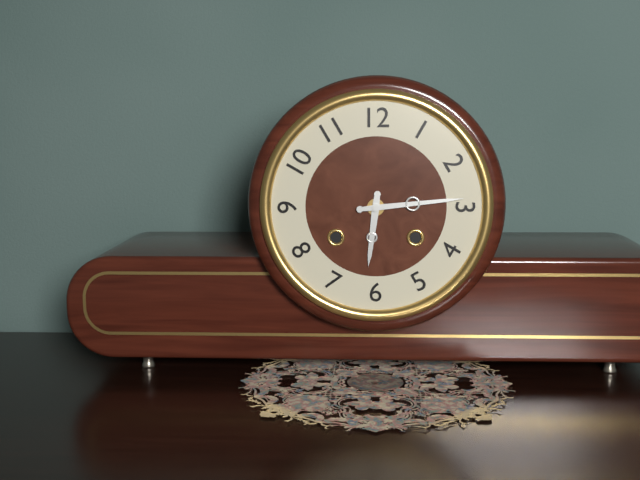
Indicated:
6.14
